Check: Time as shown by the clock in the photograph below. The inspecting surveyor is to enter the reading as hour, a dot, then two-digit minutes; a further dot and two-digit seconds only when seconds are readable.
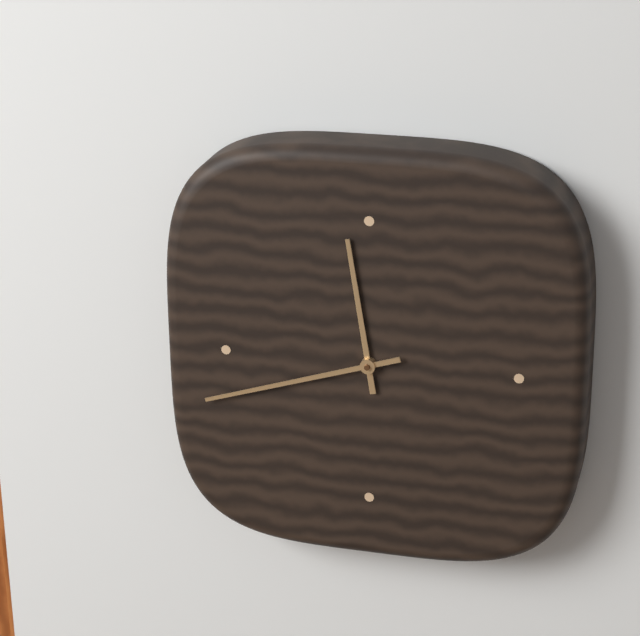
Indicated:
11.42
